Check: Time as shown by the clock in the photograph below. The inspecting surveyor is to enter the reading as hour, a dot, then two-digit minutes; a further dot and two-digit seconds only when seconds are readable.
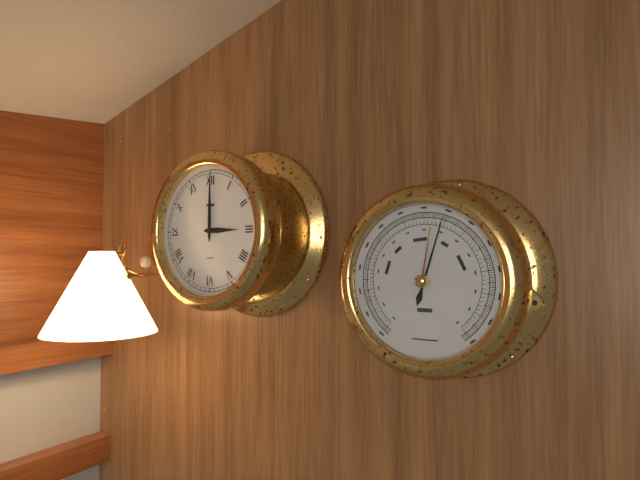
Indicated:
3.00
